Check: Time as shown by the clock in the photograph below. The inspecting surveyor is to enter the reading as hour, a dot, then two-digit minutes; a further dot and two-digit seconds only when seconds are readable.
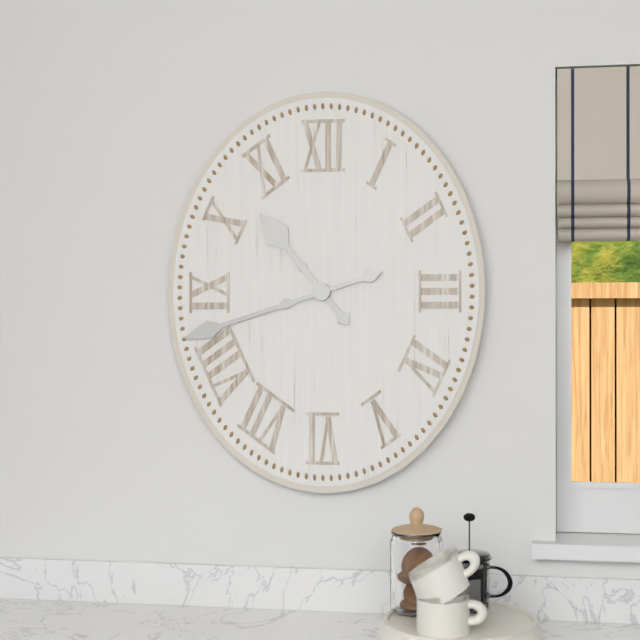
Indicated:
10.42
